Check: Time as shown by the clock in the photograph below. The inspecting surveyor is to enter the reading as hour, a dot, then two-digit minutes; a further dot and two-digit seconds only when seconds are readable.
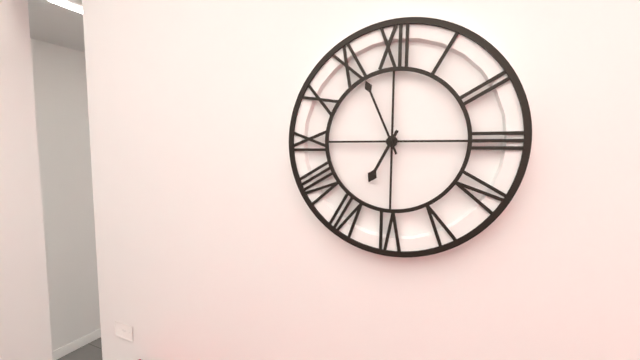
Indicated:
6.56
